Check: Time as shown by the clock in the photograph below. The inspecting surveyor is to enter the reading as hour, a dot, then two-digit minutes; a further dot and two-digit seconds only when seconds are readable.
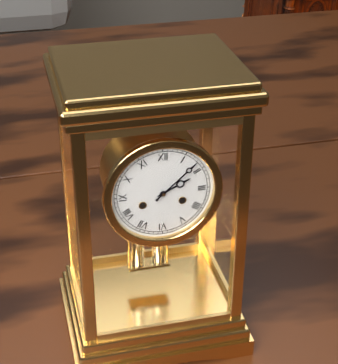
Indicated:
2.08
